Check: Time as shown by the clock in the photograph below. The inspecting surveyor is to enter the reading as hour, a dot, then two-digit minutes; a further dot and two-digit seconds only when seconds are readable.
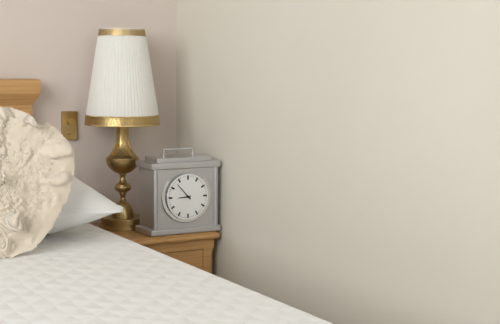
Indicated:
8.53
